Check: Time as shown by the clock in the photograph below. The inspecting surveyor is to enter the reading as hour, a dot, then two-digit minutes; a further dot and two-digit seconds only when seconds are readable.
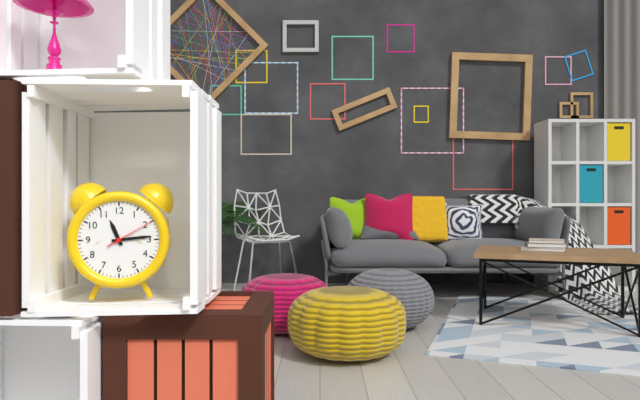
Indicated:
11.14
